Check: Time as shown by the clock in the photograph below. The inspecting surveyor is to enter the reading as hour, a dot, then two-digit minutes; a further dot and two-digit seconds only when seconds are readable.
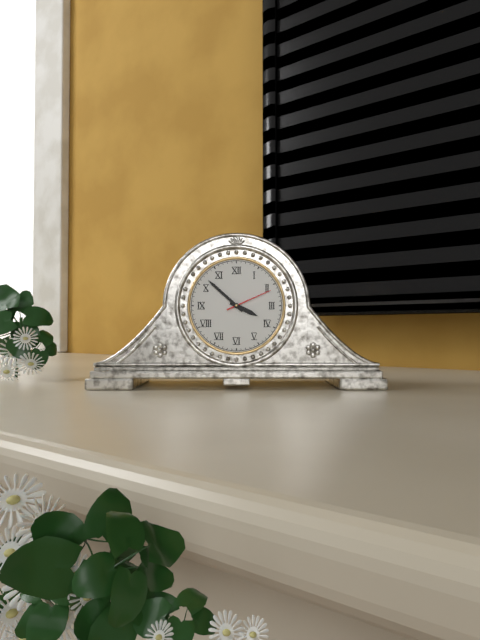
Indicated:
3.52
